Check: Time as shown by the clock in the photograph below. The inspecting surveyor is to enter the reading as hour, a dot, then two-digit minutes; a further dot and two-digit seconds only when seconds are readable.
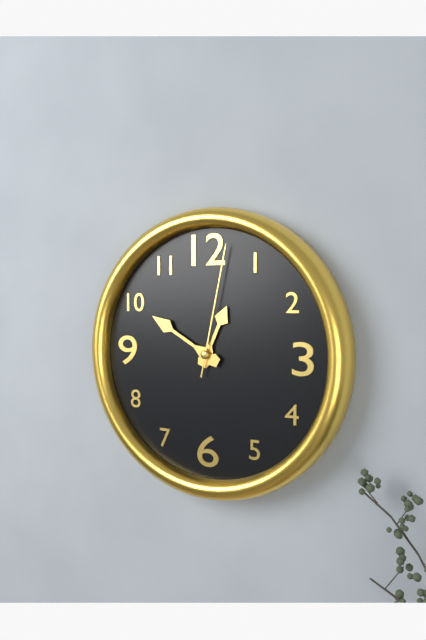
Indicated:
12.50.02
